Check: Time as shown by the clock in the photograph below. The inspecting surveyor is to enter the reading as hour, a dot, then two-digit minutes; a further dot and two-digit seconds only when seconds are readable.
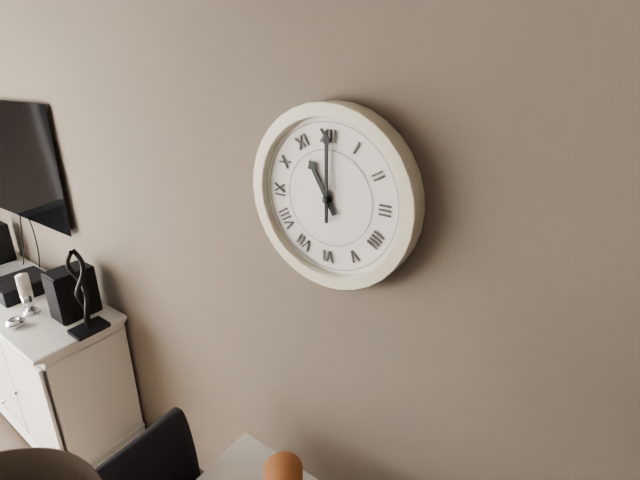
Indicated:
11.00
